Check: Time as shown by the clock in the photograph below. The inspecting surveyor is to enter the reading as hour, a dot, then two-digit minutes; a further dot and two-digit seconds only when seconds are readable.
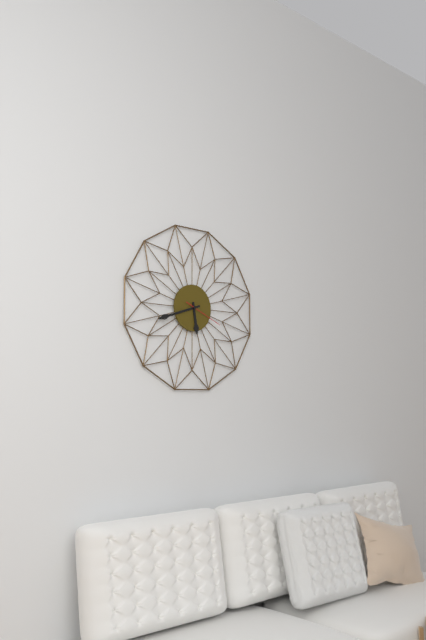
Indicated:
5.42
